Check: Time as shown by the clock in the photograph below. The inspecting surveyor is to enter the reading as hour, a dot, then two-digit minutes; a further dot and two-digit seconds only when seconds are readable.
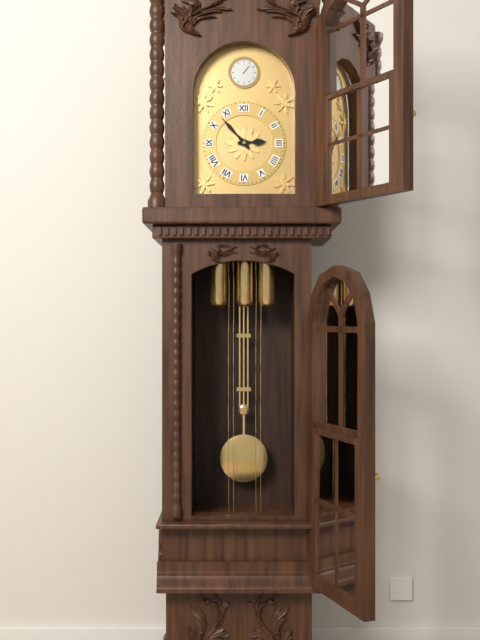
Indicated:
2.53
